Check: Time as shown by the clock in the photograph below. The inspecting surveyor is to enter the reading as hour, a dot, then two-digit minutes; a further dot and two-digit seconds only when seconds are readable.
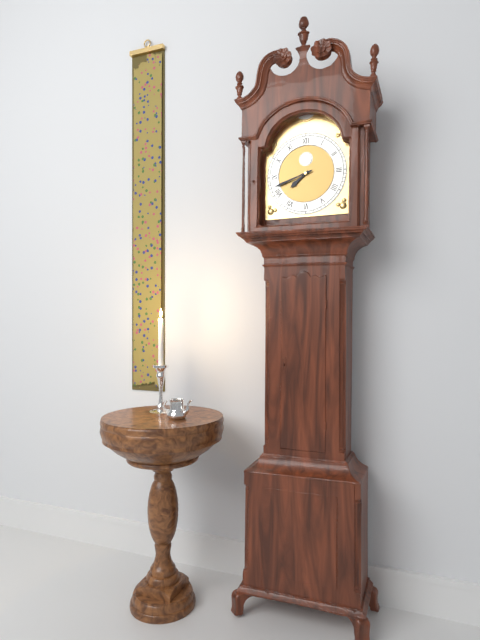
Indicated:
7.42
